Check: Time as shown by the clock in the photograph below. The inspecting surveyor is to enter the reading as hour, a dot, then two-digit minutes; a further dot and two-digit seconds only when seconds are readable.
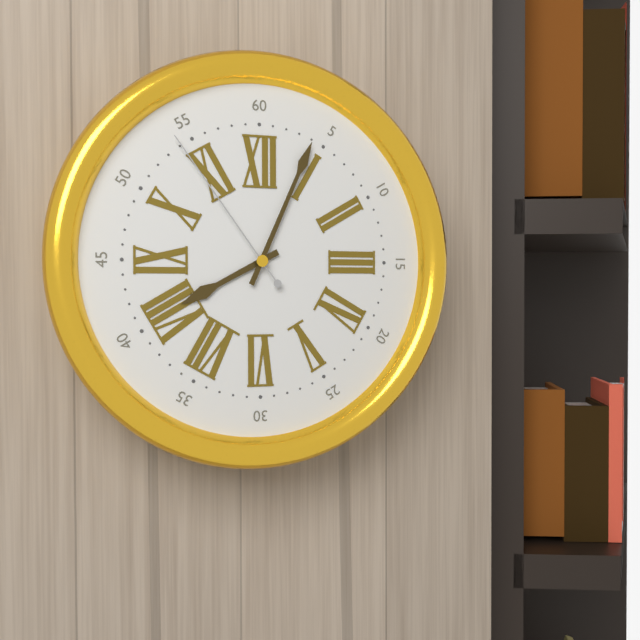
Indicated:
8.04.54
